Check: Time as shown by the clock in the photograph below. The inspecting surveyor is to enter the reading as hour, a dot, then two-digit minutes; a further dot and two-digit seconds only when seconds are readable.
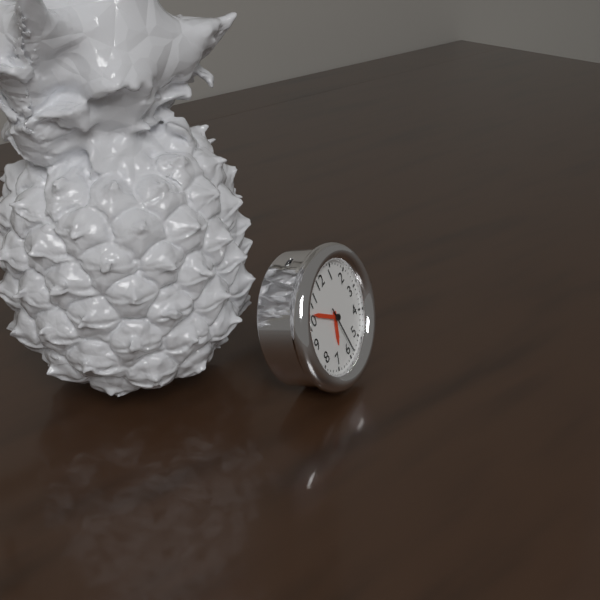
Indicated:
6.52
